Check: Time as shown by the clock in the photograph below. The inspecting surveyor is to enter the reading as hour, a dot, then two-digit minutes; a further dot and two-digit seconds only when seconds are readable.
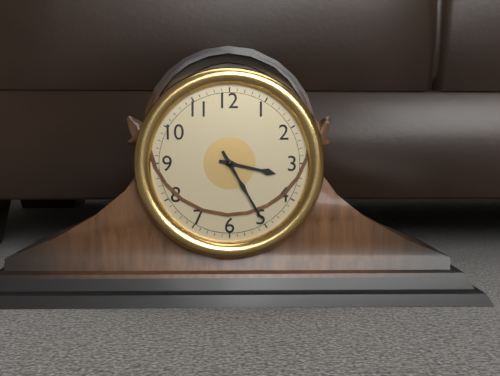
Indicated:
3.25
